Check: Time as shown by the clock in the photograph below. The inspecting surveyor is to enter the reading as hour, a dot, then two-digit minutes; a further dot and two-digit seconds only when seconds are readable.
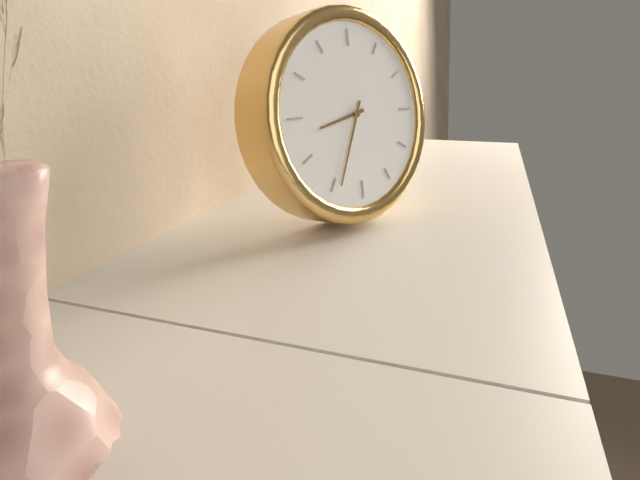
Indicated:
8.34
